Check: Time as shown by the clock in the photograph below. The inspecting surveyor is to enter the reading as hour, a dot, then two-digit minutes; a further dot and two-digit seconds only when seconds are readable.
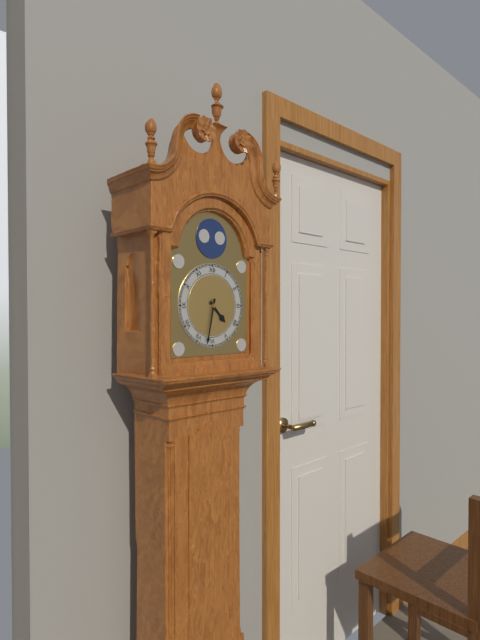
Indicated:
4.32
